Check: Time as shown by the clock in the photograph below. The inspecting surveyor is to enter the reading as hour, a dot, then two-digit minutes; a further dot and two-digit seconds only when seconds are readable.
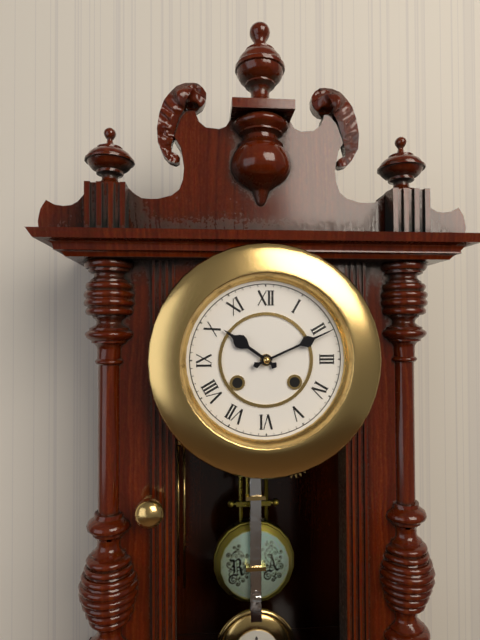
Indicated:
10.11
